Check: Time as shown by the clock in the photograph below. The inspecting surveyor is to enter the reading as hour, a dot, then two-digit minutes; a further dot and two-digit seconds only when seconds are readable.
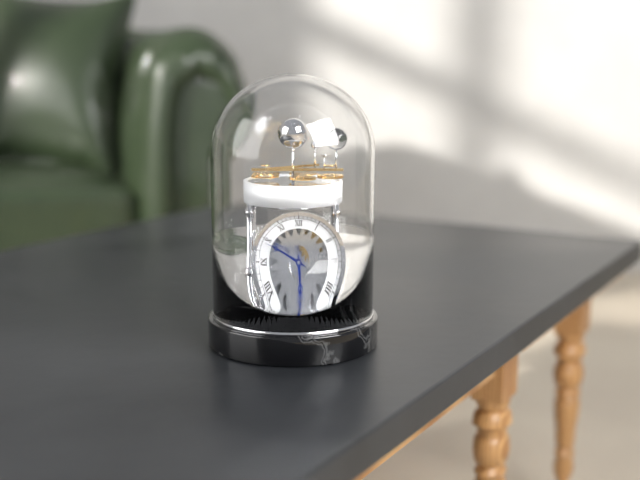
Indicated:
5.49
